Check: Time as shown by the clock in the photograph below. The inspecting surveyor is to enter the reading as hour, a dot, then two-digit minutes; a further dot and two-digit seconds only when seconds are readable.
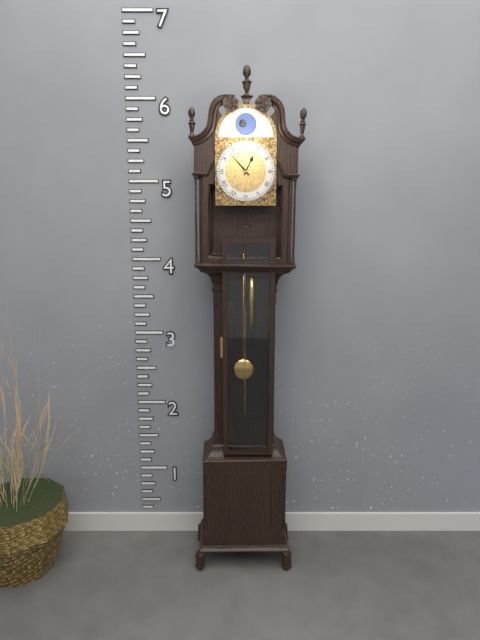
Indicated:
12.53
